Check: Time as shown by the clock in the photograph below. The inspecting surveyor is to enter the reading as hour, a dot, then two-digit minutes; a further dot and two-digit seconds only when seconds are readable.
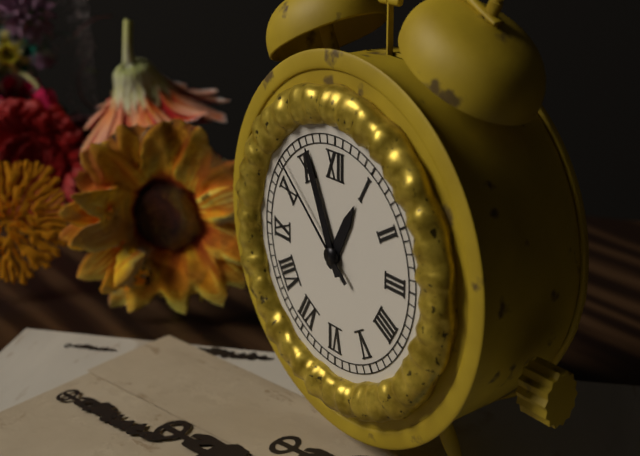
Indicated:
12.56.52
